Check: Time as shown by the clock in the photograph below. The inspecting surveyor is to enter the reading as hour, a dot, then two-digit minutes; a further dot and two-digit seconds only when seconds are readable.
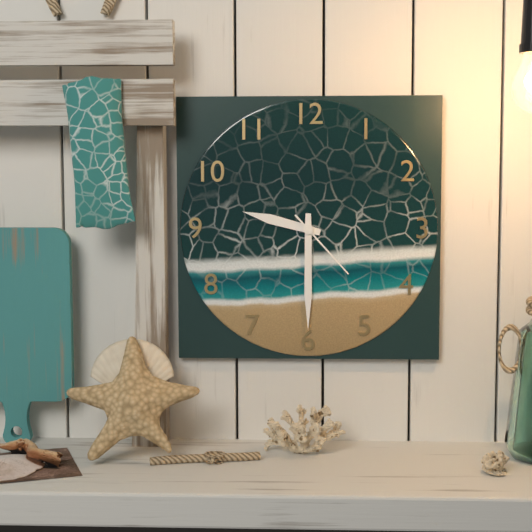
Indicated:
9.30.23
